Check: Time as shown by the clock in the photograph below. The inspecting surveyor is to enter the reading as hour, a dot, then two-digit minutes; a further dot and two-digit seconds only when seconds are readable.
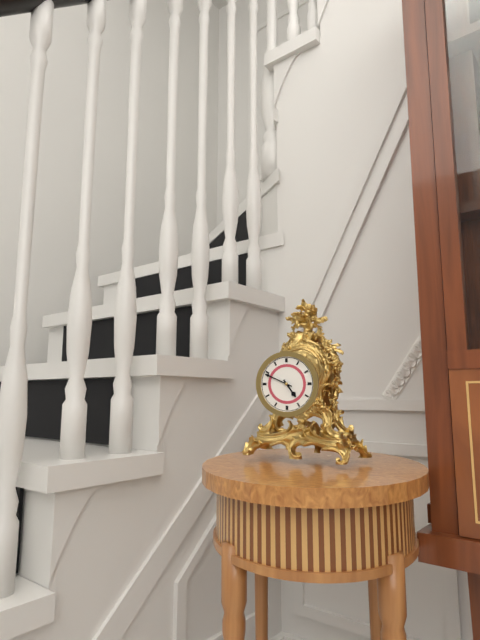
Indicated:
4.49
